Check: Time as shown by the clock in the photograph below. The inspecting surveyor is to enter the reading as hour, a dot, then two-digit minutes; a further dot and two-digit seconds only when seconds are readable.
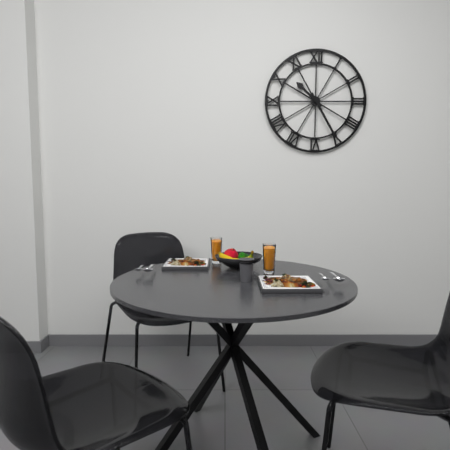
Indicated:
10.25
